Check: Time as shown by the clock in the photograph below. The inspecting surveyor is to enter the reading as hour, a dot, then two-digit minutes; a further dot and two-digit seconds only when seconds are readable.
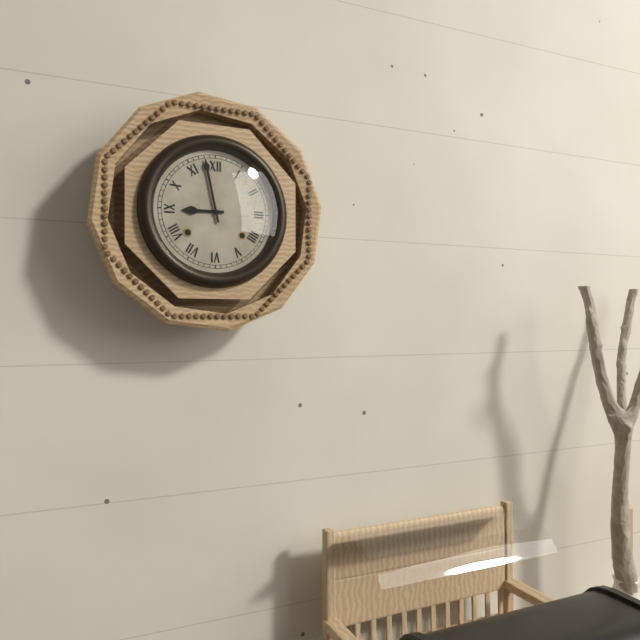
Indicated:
8.58
